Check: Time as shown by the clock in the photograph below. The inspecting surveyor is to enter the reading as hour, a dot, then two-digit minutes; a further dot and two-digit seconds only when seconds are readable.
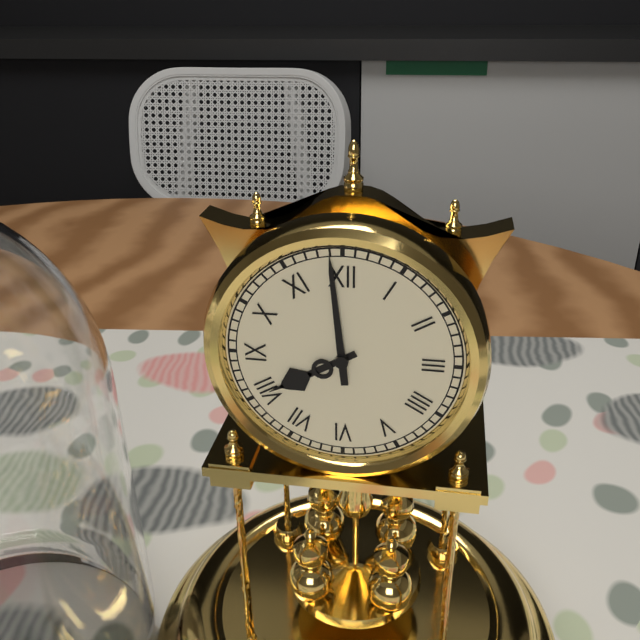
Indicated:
7.59
